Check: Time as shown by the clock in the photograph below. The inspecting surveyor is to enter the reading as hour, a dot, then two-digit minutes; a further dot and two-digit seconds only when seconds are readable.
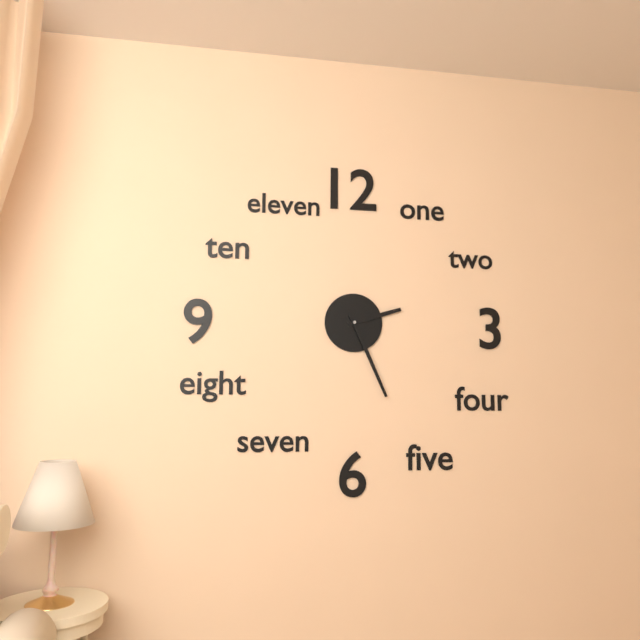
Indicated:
2.26
